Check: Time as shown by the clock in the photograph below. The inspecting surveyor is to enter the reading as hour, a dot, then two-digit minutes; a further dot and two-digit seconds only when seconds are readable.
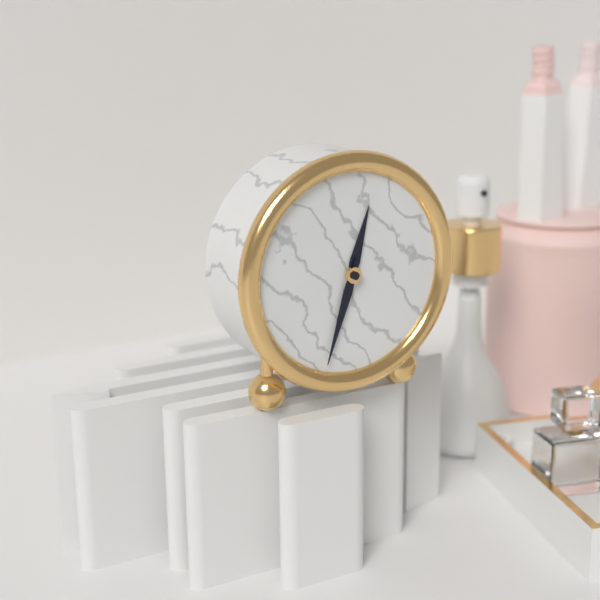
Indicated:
12.33
